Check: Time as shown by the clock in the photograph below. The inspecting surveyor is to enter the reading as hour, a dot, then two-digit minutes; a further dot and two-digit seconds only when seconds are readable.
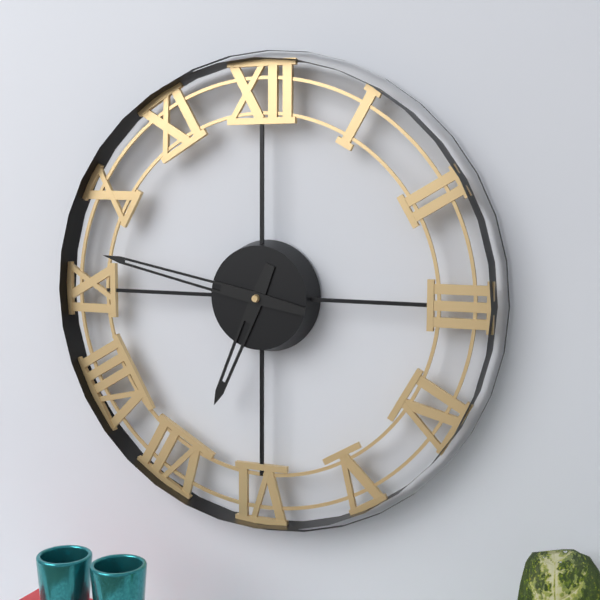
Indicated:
6.47
